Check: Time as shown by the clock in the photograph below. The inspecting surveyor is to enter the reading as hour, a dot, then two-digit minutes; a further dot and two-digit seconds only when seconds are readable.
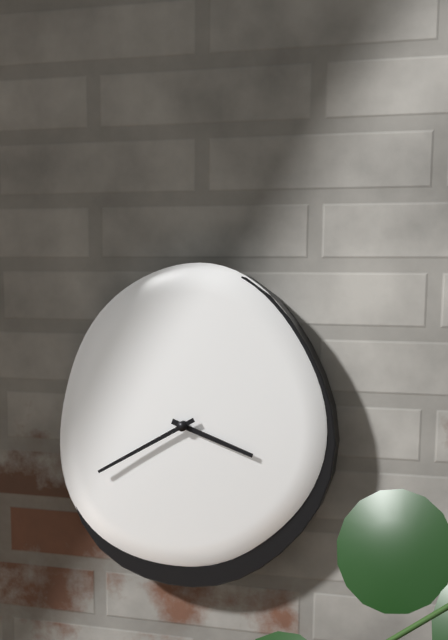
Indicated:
3.40
